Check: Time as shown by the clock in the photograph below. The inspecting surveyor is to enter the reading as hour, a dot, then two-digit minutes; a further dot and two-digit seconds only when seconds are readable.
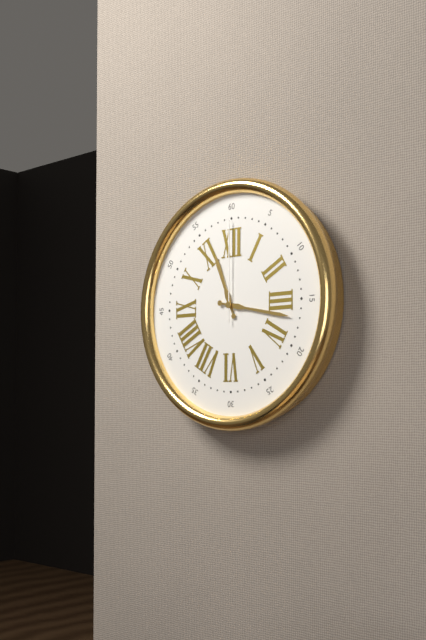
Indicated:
11.17.00
